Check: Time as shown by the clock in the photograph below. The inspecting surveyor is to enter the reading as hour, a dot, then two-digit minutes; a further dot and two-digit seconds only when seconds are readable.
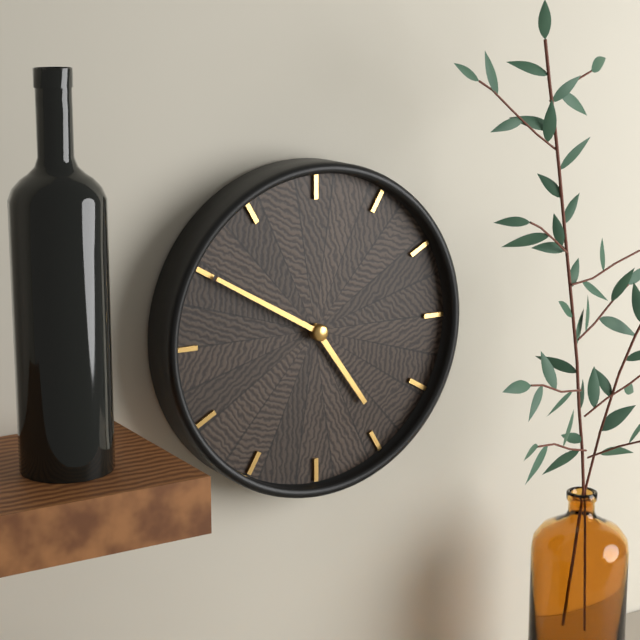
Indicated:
4.50
